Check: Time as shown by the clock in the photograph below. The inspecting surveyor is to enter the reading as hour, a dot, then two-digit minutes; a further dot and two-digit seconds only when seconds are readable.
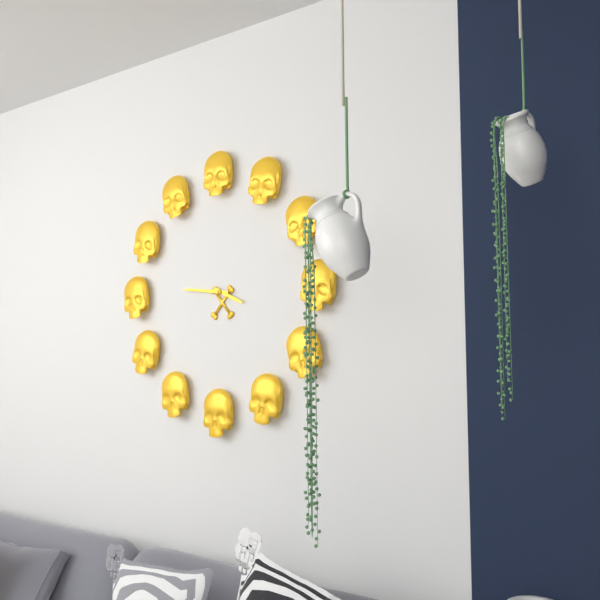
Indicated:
3.46
